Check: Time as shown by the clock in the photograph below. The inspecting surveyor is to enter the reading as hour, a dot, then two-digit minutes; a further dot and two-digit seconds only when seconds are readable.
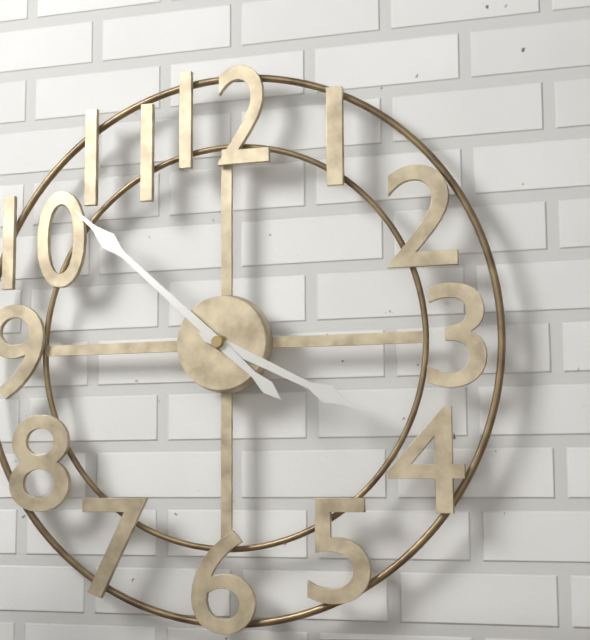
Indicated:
3.52
